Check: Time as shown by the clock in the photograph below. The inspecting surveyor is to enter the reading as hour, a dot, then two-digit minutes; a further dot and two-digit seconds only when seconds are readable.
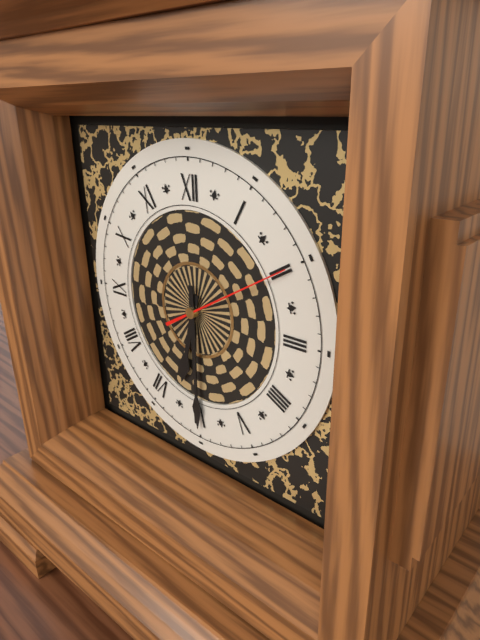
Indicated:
6.30
